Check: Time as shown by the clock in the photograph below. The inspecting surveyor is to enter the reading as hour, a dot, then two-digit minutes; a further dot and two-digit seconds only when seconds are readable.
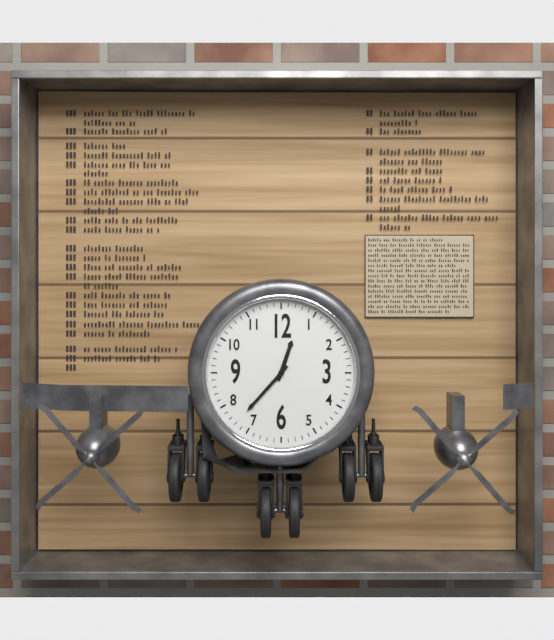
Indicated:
12.37
